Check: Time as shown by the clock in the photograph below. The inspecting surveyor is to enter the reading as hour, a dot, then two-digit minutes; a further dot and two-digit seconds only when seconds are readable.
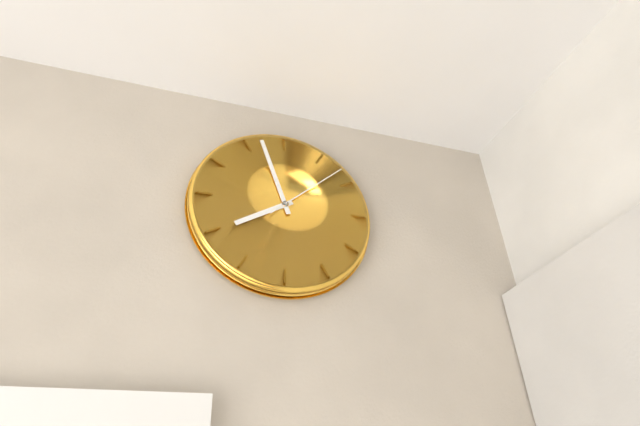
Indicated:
7.57.08
